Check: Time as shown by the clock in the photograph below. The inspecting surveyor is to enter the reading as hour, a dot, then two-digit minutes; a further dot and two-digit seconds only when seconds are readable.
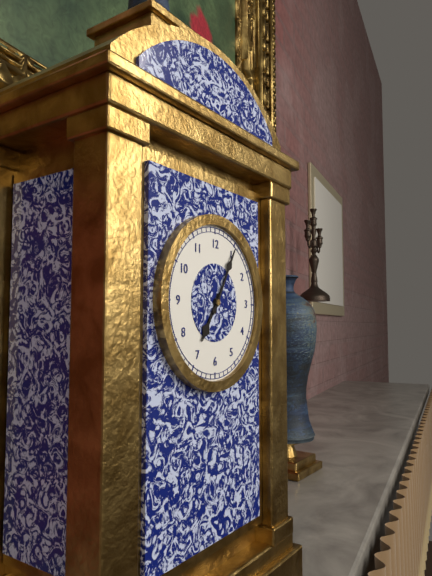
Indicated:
7.05
